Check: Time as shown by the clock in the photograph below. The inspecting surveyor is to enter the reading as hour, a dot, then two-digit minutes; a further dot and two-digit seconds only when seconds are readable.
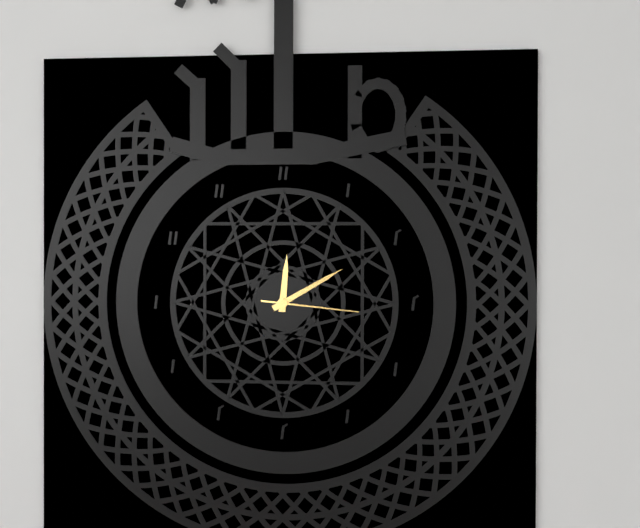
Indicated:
12.10.16
